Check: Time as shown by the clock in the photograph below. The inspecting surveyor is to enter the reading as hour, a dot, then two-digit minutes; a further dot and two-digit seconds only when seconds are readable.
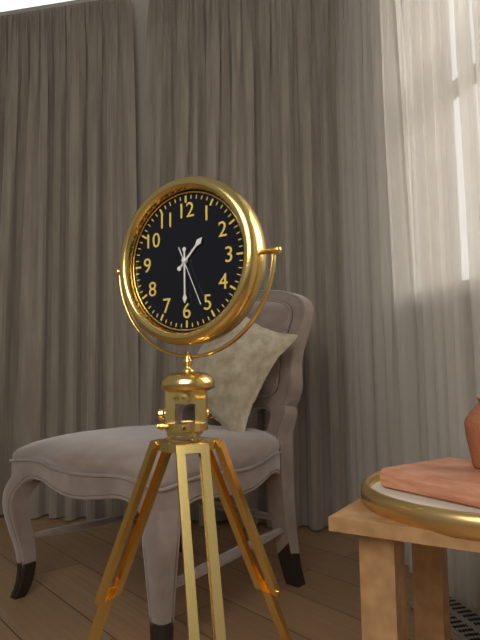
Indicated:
1.30.26
